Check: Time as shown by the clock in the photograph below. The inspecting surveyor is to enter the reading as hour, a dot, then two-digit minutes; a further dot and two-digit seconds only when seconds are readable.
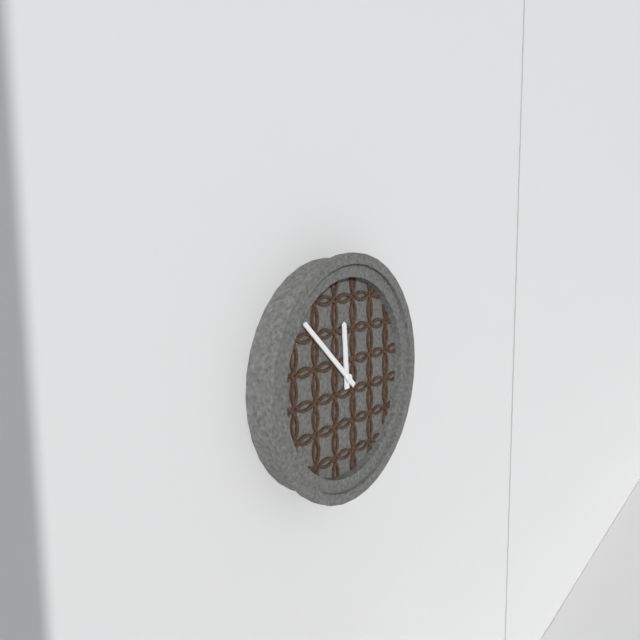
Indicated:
11.52
